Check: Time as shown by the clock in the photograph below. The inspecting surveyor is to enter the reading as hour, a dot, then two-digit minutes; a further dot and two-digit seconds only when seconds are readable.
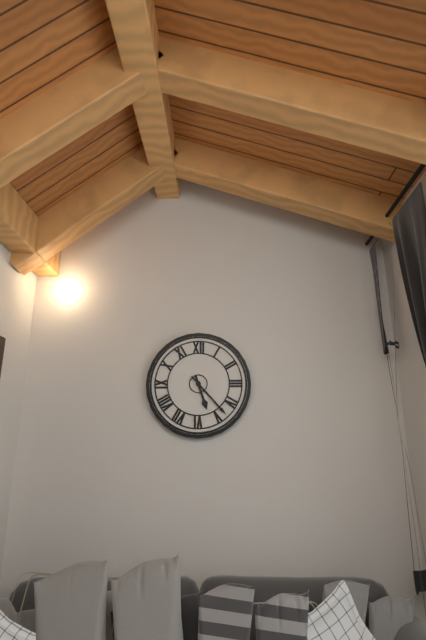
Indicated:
5.23
